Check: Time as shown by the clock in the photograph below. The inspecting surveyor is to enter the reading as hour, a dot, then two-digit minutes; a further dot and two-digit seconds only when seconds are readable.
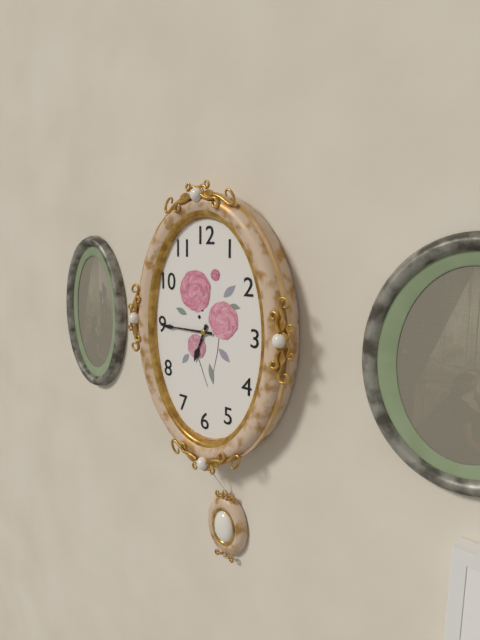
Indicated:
6.45
